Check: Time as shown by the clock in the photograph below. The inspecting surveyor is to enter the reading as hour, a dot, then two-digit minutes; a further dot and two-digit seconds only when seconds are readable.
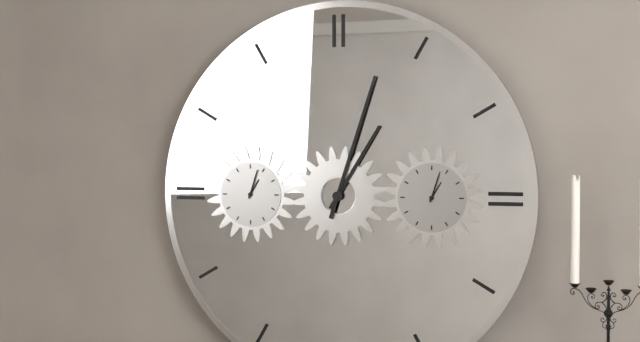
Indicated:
1.03
